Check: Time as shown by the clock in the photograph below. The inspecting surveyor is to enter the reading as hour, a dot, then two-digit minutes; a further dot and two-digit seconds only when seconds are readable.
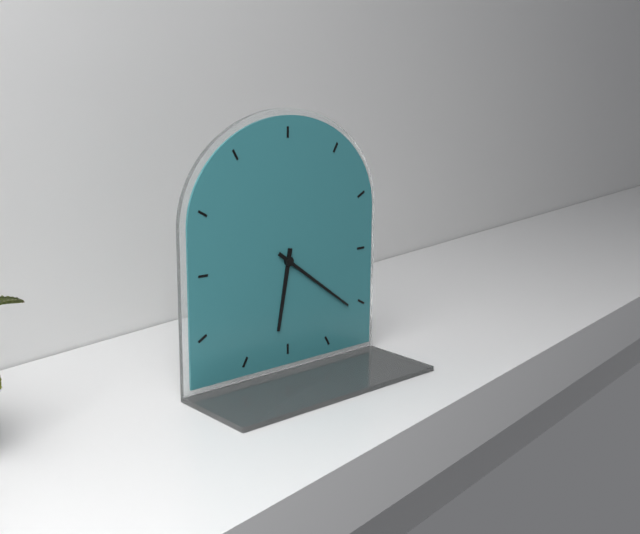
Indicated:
6.21
